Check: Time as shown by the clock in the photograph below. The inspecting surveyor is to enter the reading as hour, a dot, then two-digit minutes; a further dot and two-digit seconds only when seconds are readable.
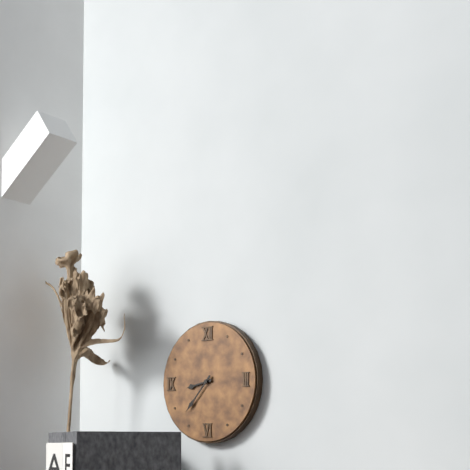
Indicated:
8.37
